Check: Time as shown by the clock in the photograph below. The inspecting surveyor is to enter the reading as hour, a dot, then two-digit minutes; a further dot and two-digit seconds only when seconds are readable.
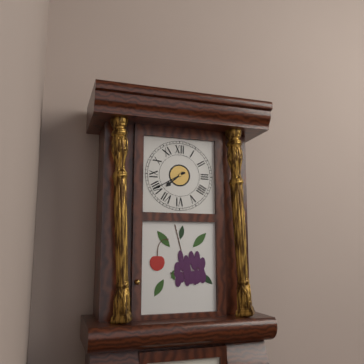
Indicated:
7.40
